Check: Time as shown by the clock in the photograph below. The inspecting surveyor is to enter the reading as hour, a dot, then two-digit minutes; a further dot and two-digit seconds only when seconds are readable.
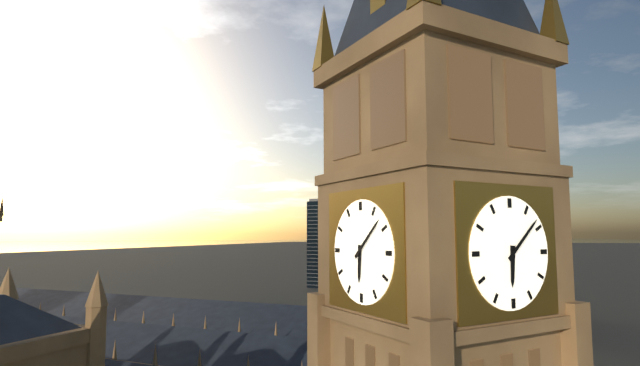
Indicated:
6.08
